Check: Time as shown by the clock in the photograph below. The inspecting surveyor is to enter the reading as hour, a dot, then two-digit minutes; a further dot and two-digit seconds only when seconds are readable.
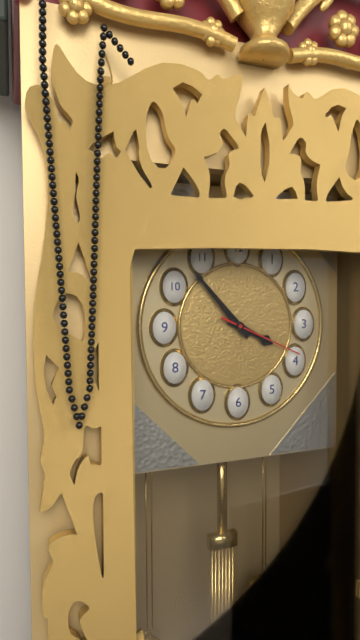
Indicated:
3.53.19
